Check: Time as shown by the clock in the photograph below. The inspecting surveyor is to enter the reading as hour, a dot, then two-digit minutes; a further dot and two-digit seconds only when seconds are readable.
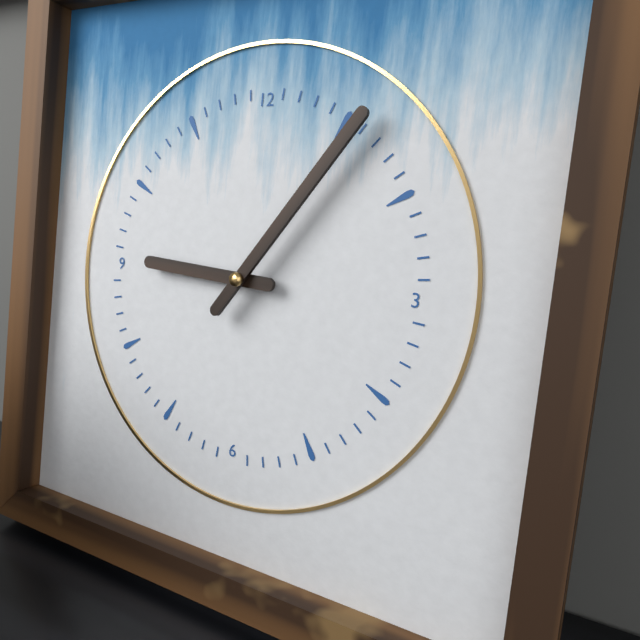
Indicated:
9.06
